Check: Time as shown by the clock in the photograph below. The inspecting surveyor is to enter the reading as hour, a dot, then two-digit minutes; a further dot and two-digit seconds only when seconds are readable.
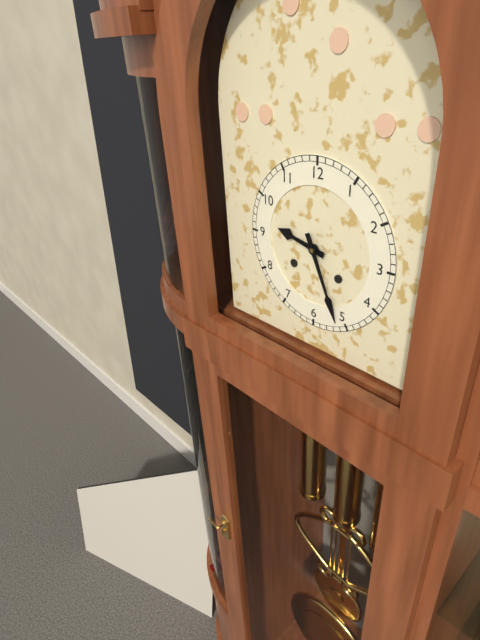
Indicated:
9.26
